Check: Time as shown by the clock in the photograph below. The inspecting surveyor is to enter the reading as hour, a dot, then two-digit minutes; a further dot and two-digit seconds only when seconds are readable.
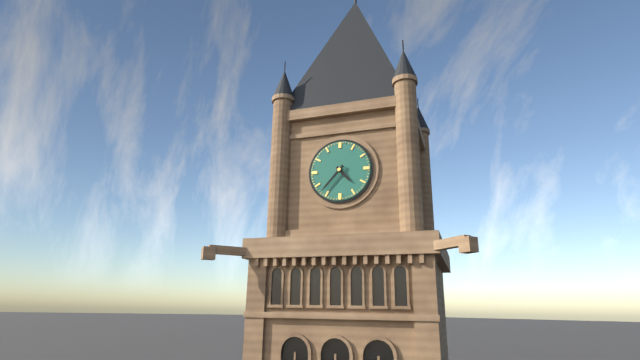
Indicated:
4.37
